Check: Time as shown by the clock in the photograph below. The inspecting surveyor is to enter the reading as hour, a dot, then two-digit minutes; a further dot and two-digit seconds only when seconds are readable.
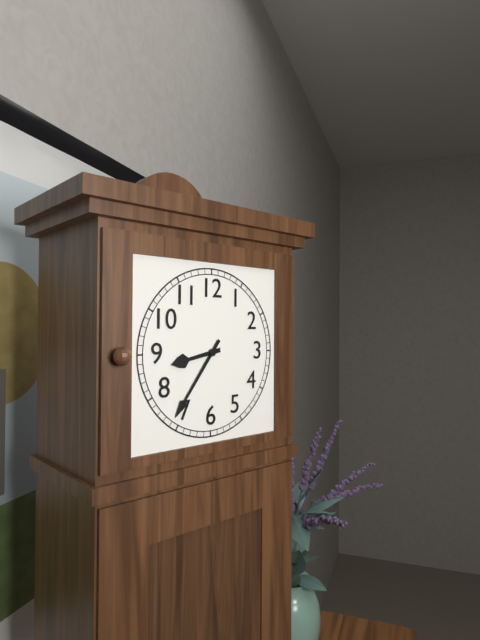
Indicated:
8.36
